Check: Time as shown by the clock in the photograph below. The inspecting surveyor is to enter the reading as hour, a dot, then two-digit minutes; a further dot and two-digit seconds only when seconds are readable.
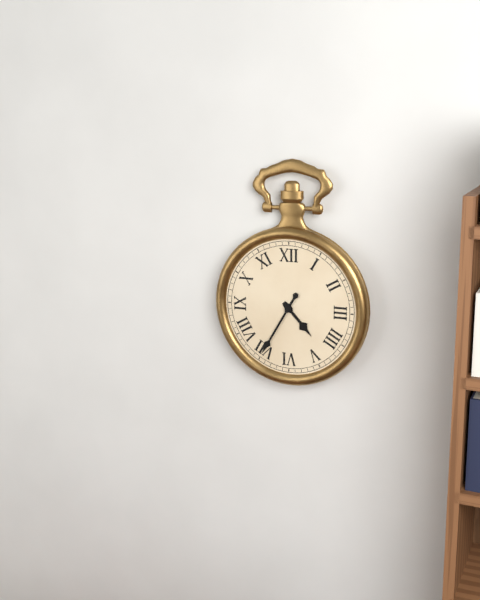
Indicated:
4.35
